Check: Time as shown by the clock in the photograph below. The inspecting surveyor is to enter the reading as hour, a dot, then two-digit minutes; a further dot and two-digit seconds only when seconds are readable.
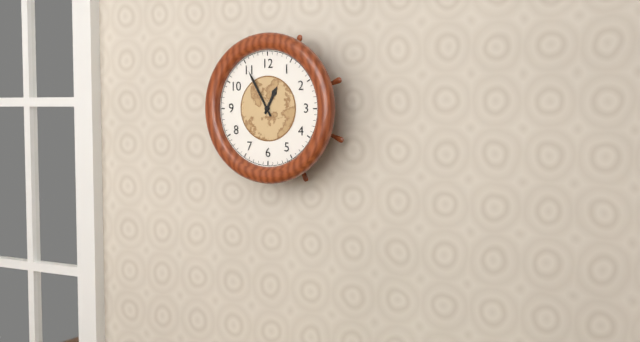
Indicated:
12.55
